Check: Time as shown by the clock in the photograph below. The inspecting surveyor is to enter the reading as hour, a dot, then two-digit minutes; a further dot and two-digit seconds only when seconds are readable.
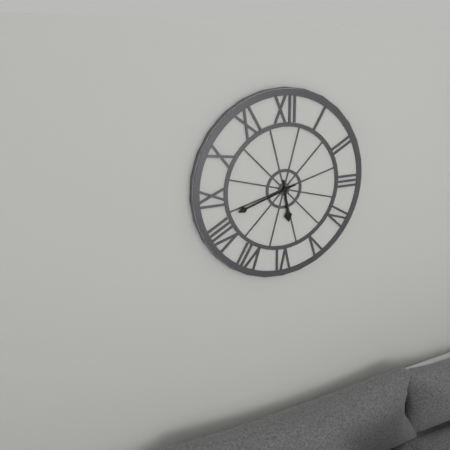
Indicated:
5.42
